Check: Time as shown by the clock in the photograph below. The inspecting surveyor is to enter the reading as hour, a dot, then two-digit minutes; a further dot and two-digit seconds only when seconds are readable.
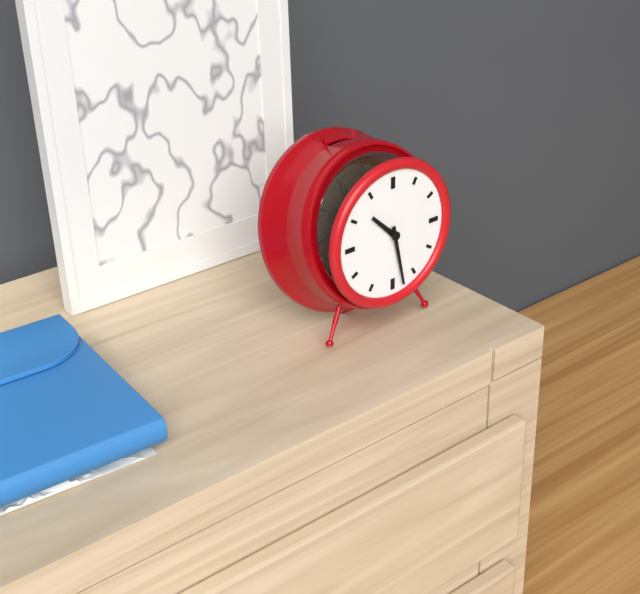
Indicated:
10.28
